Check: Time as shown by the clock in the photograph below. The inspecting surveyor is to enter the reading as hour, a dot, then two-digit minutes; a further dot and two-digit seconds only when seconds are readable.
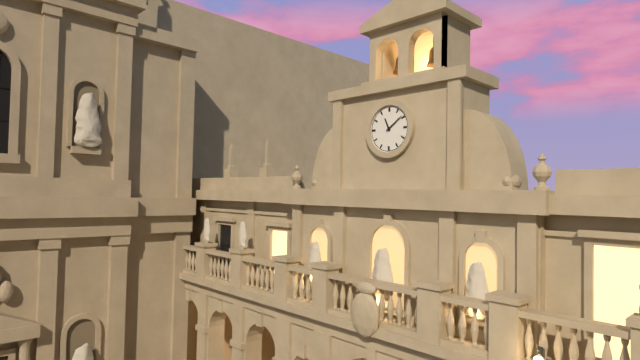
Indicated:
11.09
